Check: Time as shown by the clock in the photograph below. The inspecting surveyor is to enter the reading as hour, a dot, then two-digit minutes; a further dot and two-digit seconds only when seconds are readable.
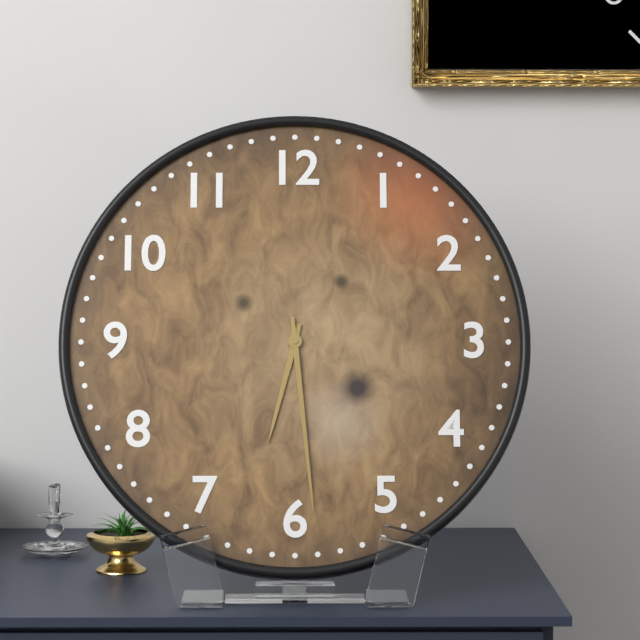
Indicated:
6.29
